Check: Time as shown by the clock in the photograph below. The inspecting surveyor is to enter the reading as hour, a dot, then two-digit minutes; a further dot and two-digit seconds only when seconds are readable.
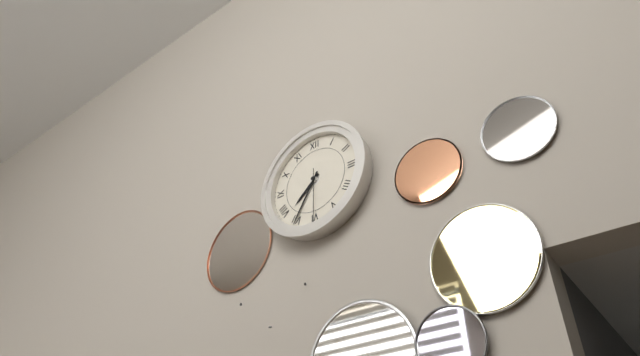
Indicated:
7.35.30
